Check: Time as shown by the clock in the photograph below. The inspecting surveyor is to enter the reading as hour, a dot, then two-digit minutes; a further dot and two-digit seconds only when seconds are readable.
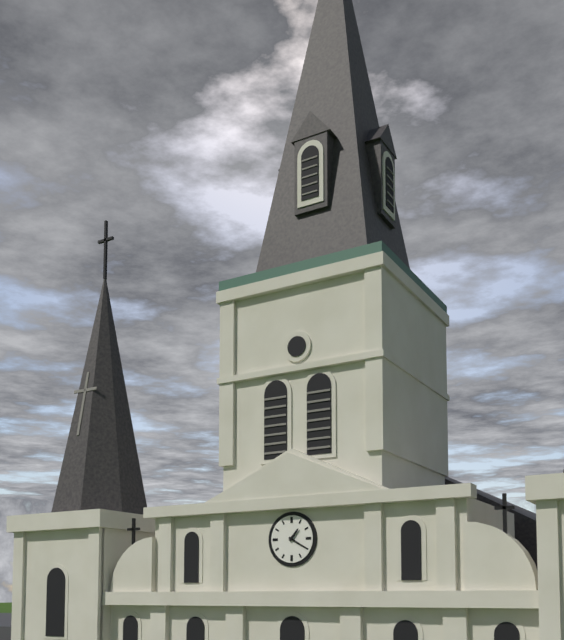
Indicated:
1.20
